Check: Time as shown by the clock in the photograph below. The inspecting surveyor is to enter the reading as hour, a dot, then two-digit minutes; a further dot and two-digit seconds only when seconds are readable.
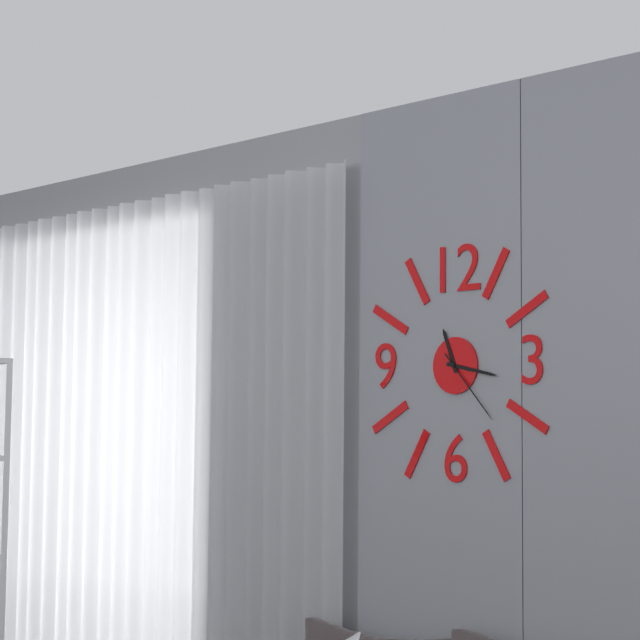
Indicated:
11.17.23
